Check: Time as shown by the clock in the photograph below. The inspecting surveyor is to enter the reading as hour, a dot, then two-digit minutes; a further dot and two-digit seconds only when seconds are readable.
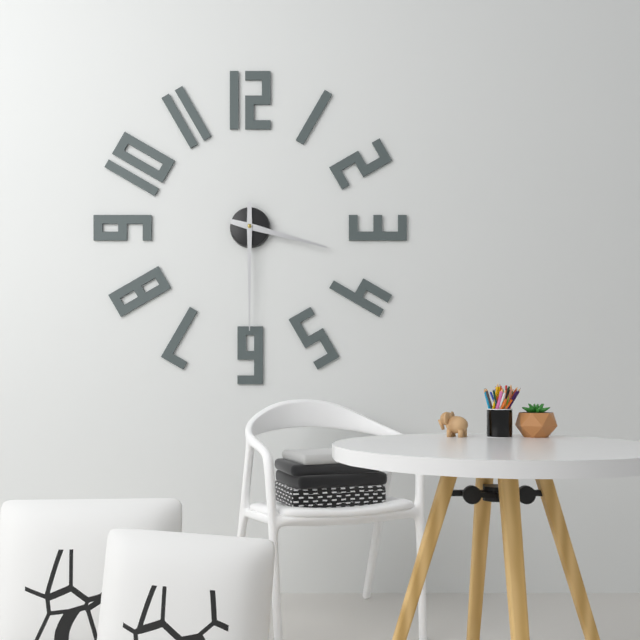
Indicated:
3.30
